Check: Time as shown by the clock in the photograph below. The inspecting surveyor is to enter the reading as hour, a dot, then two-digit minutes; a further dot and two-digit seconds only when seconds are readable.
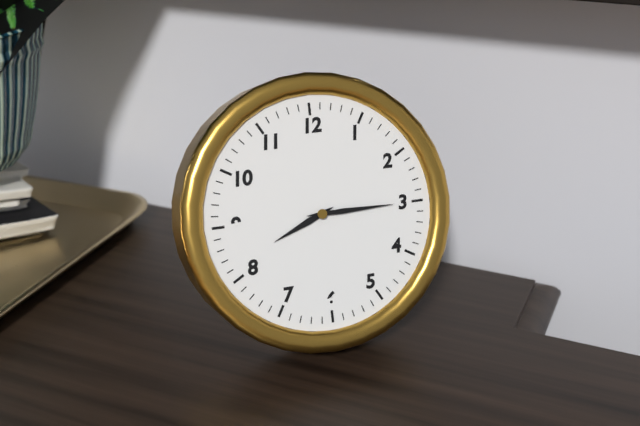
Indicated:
8.15
